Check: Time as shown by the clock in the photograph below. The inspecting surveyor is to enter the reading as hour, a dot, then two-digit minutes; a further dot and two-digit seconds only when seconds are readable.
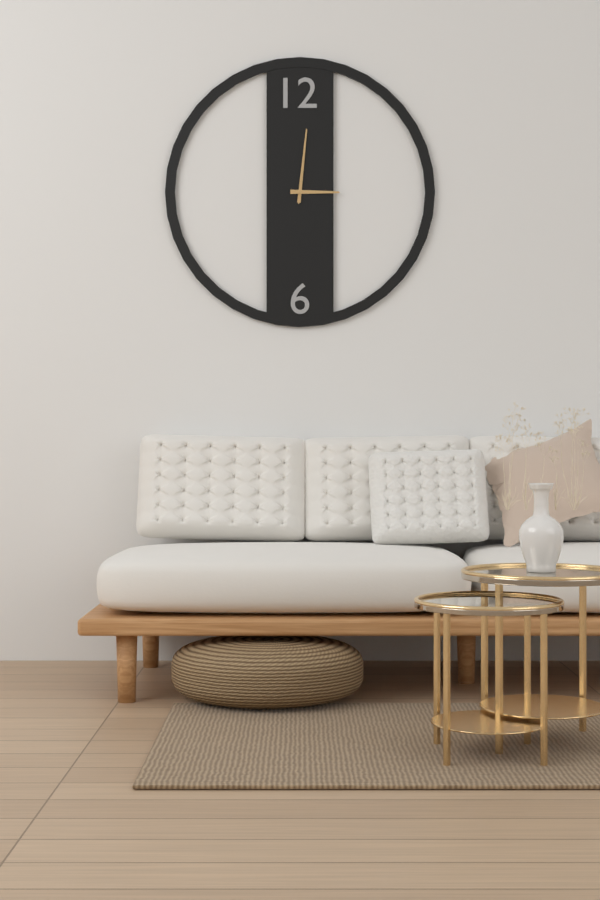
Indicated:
3.01.01
